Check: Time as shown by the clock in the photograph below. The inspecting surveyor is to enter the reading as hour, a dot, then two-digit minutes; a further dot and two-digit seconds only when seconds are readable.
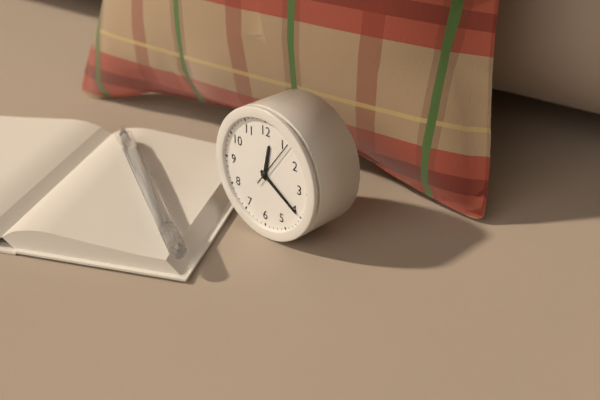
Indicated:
12.20
